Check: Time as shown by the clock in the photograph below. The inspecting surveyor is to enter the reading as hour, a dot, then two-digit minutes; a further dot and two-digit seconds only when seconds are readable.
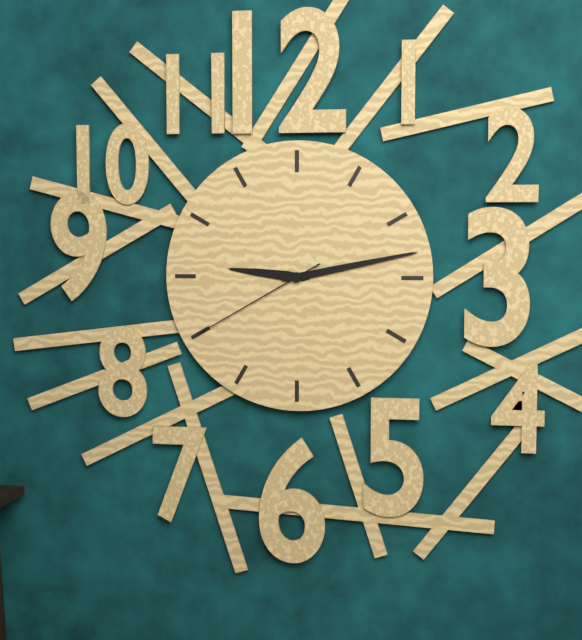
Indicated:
9.13.40
